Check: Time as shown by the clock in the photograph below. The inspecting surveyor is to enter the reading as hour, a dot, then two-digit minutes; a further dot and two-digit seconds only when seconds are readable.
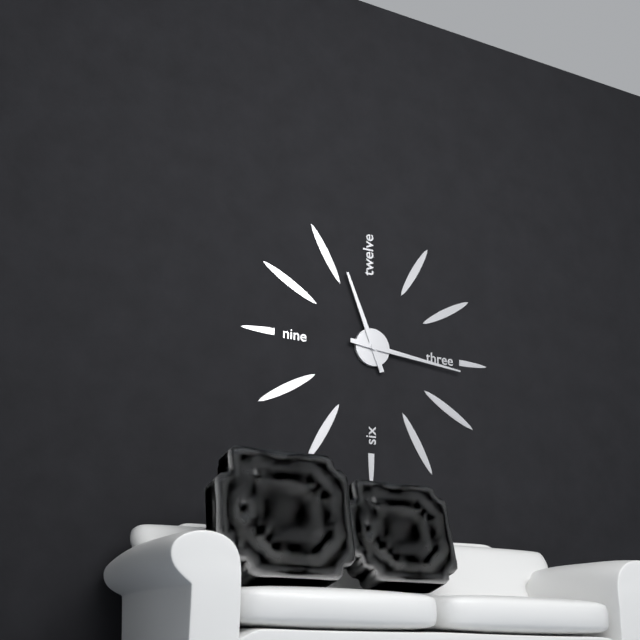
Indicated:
11.16
